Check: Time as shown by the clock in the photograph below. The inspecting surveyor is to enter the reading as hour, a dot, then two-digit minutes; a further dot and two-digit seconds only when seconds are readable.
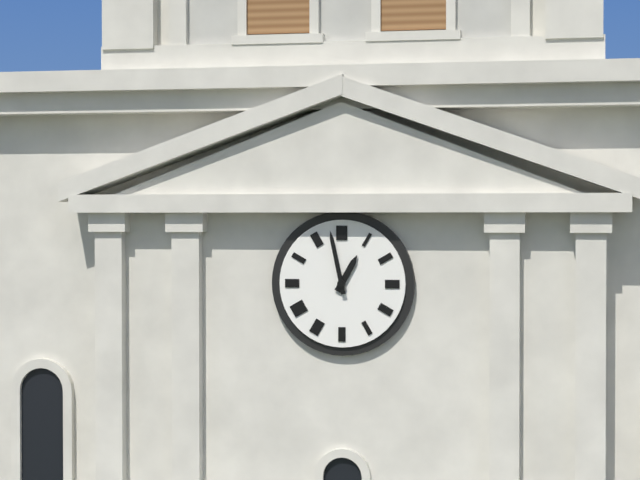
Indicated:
12.58
